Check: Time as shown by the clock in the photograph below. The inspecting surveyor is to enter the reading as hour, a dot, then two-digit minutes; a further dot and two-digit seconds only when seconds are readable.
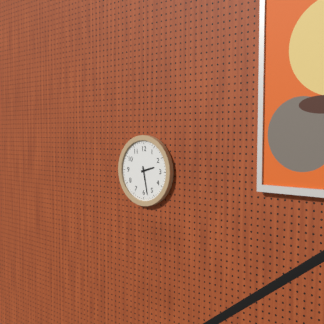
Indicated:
2.28
